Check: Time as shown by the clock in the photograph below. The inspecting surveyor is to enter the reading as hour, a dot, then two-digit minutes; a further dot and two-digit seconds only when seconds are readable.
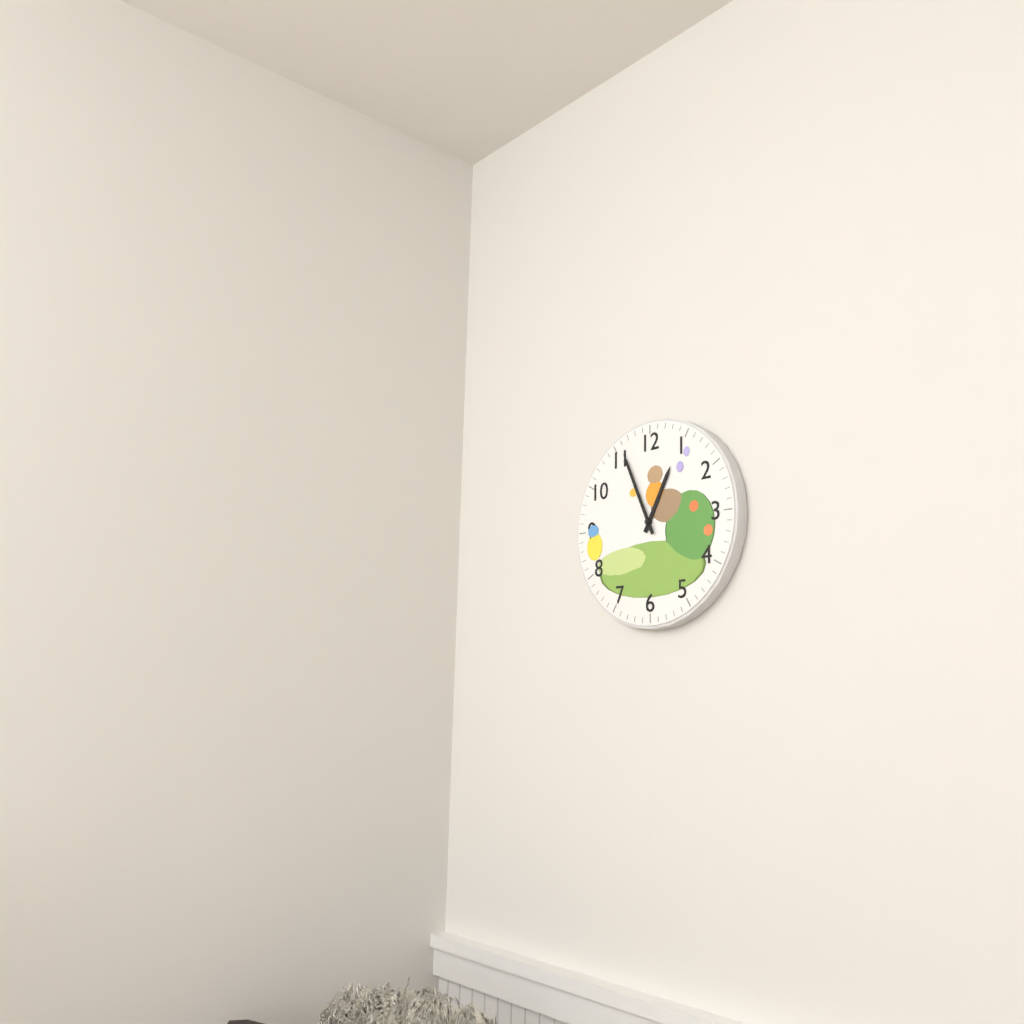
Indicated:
12.56
